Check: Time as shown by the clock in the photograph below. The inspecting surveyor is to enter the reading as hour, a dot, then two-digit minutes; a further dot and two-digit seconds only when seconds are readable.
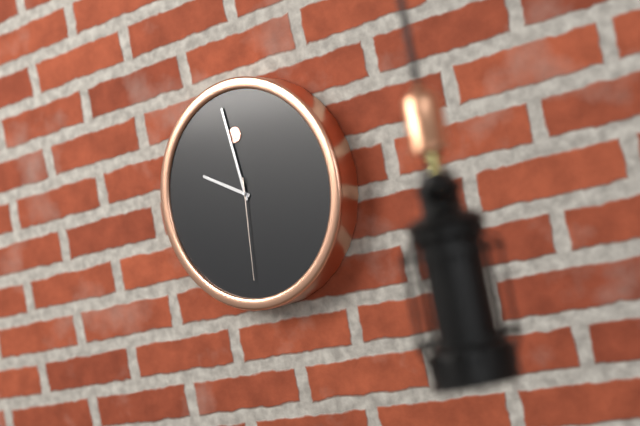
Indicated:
9.59.31
